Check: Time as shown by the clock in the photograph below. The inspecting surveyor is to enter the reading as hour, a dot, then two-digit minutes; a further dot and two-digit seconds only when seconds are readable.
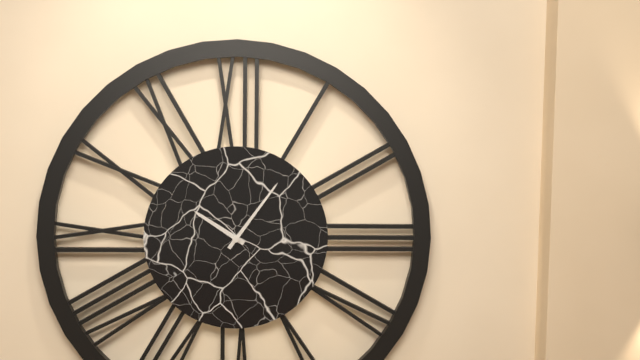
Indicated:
10.06
